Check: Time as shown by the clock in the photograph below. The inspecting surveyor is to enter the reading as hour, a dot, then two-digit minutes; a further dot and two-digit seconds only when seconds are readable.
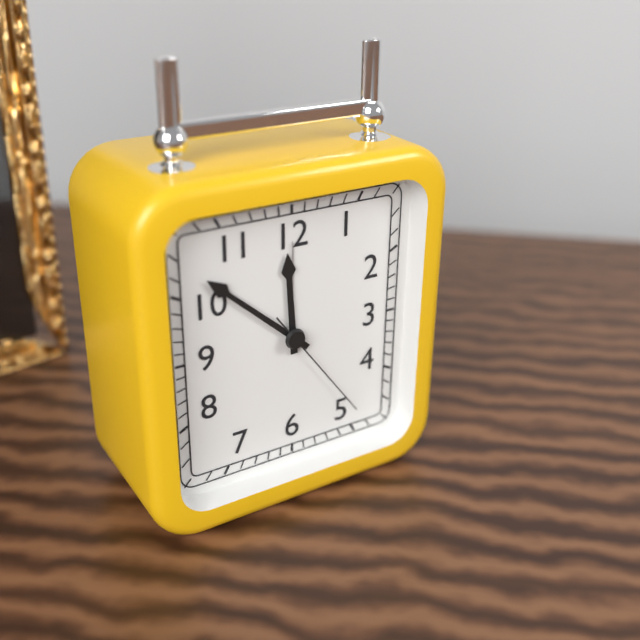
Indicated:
11.52.24
